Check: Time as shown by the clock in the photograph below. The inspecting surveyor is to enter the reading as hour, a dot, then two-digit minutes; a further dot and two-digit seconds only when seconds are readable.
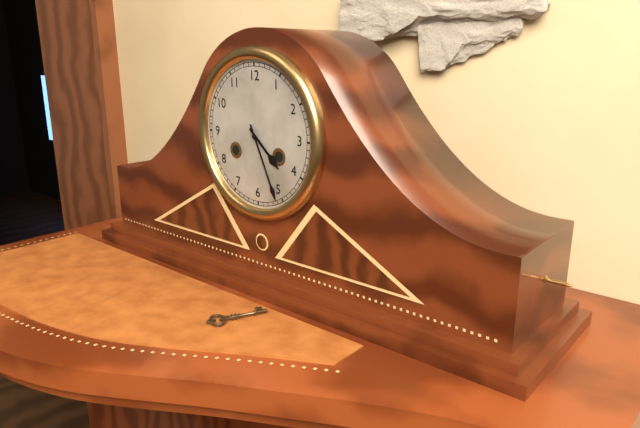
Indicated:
4.26
